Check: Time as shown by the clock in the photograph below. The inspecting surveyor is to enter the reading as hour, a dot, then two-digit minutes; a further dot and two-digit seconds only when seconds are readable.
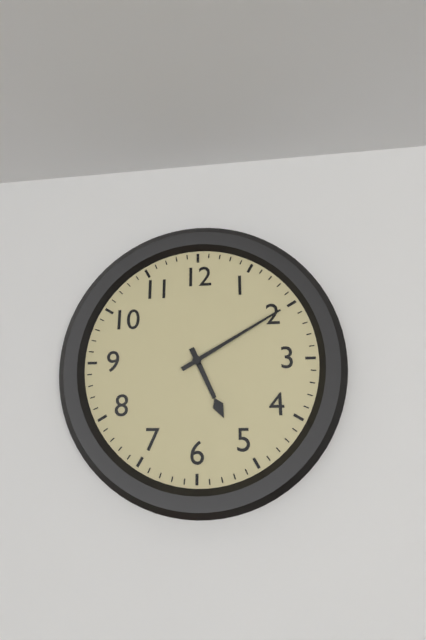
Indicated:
5.10
